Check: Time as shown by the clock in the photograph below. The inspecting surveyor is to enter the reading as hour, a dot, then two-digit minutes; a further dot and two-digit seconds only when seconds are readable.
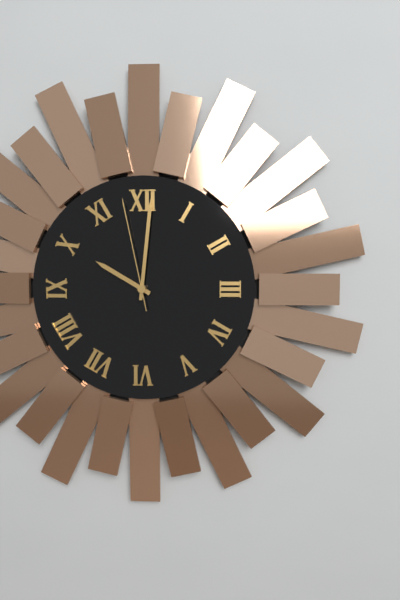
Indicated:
10.01.58
